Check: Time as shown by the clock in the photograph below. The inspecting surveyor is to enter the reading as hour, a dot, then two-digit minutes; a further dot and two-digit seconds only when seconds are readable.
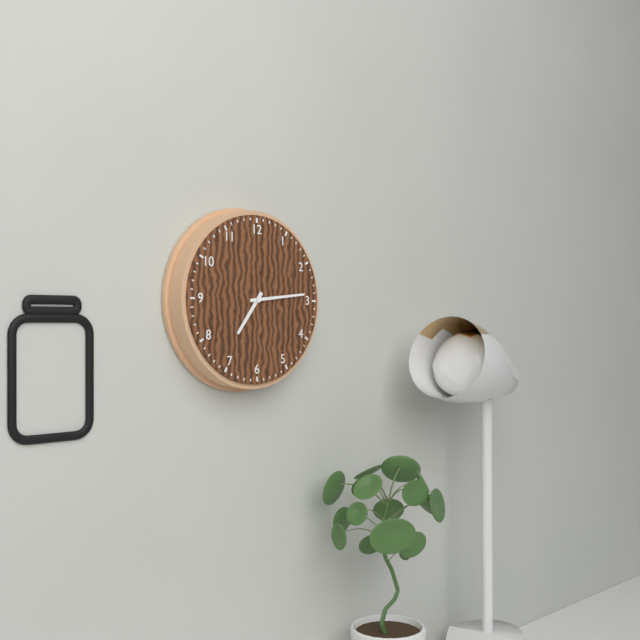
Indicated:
7.14
